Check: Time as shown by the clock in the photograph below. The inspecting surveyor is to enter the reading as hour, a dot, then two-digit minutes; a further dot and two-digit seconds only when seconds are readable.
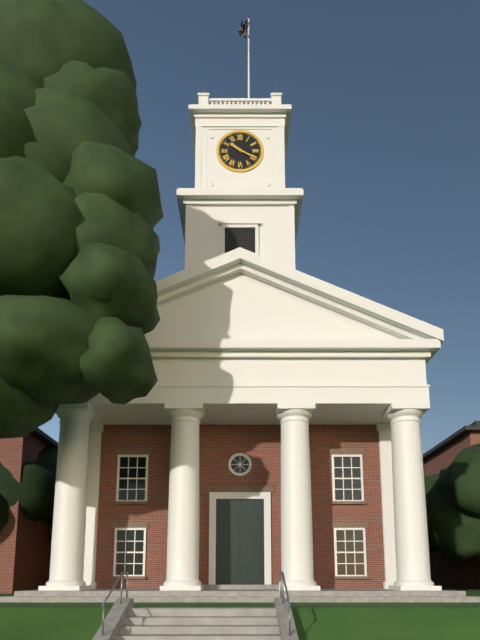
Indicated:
10.20
